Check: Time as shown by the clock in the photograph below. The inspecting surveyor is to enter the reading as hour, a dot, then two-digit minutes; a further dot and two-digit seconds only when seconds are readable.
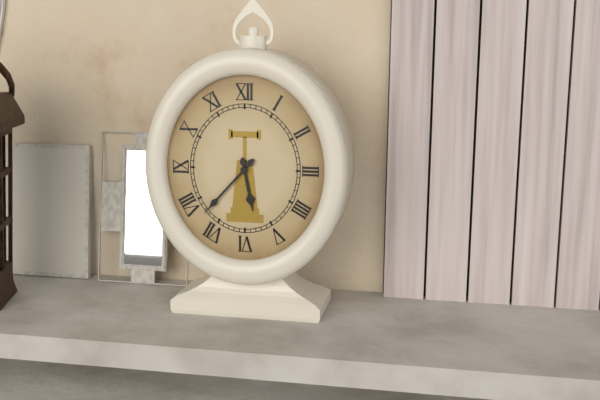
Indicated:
5.37
